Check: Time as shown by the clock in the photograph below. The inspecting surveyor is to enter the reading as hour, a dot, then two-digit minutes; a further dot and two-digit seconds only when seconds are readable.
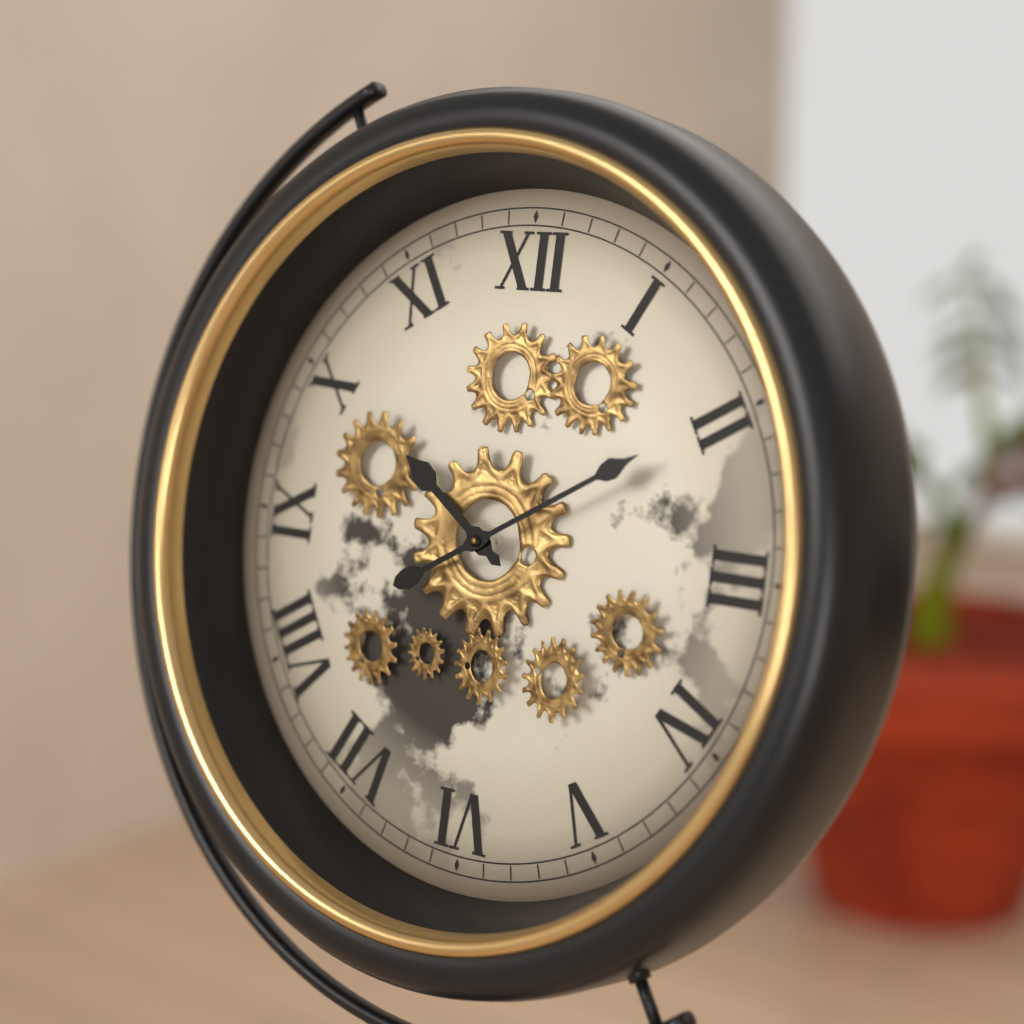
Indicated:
10.10
